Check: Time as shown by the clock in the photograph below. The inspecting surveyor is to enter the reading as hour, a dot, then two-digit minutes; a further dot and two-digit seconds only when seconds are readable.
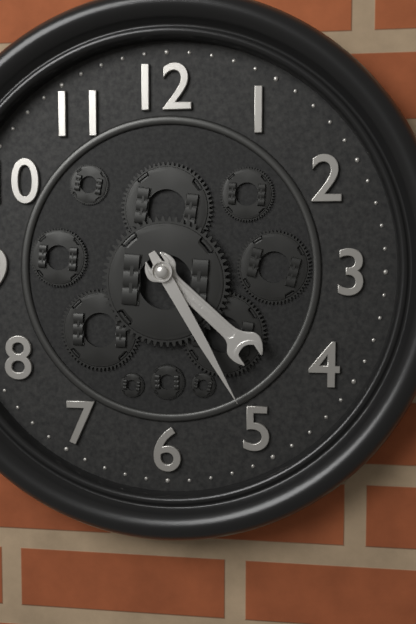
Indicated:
4.25
